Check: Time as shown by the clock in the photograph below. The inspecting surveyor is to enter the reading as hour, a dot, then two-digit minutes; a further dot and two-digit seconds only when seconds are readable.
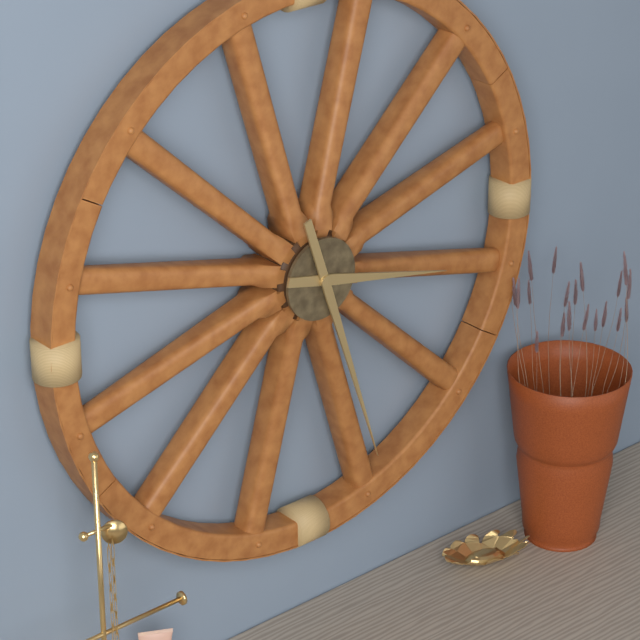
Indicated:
3.27
